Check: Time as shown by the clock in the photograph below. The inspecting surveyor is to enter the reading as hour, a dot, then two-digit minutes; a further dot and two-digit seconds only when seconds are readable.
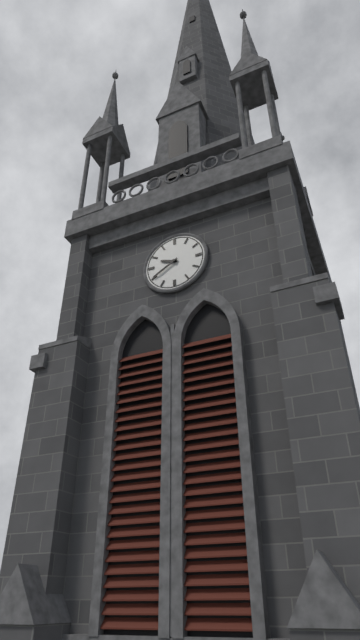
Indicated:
9.40
